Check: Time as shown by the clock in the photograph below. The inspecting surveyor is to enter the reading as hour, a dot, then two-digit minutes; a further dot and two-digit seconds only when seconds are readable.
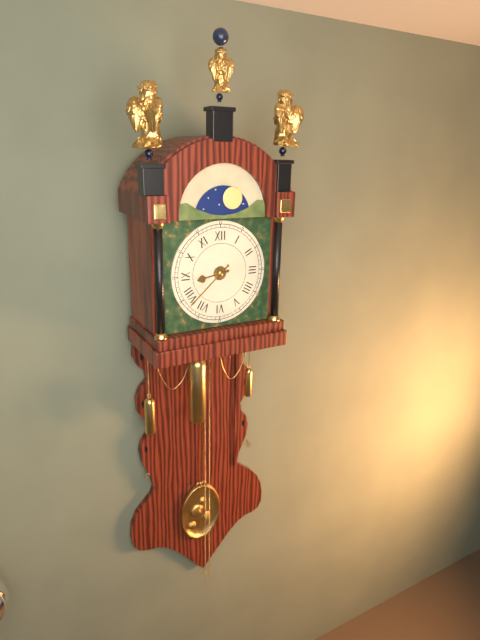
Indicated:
8.38
